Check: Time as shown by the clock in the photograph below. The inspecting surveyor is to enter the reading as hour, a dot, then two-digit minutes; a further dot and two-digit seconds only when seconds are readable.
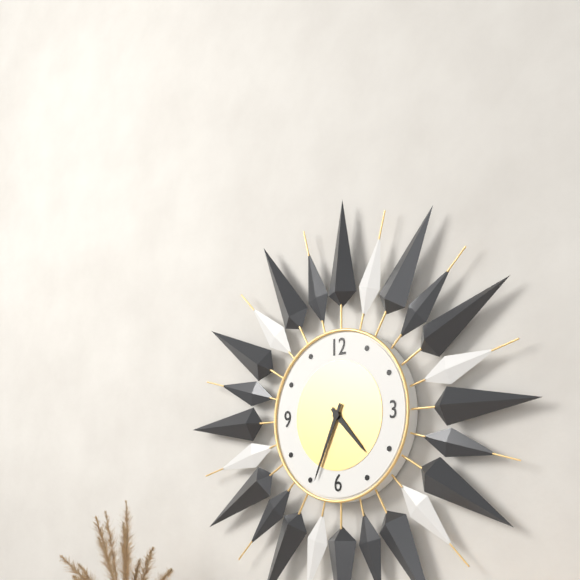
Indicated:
4.34
